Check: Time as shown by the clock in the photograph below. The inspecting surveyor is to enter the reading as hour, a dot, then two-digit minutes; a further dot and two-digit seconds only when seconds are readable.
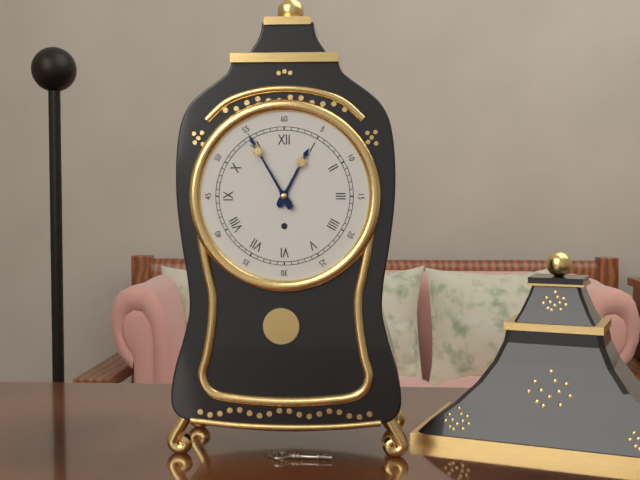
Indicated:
12.55
